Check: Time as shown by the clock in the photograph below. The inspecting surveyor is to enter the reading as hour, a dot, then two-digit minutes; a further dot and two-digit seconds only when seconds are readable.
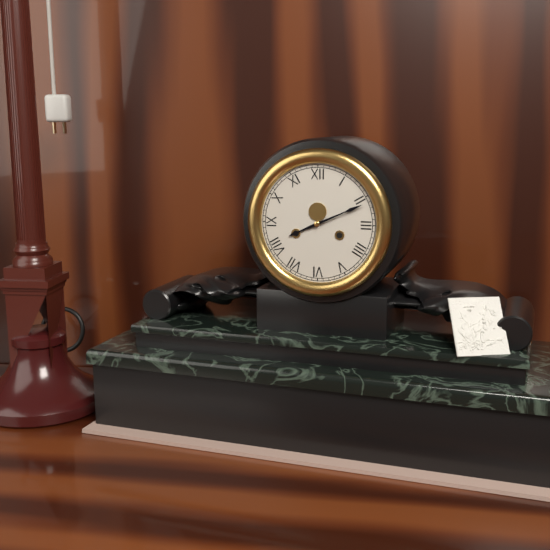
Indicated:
8.11
